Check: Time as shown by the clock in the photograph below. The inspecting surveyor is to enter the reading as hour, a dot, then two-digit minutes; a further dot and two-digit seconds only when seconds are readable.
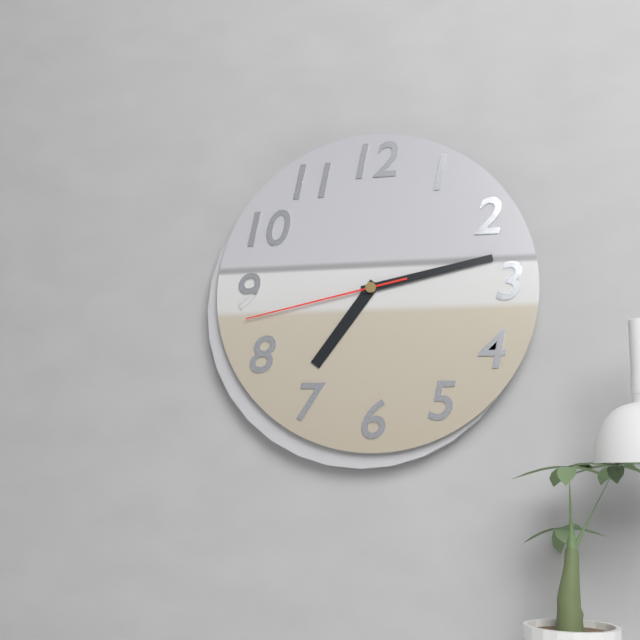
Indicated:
7.13.43
